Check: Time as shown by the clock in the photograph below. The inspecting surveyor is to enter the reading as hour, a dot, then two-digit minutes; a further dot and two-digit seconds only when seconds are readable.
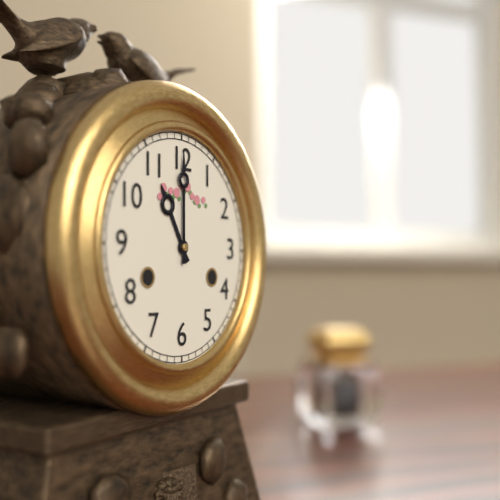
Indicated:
11.00
